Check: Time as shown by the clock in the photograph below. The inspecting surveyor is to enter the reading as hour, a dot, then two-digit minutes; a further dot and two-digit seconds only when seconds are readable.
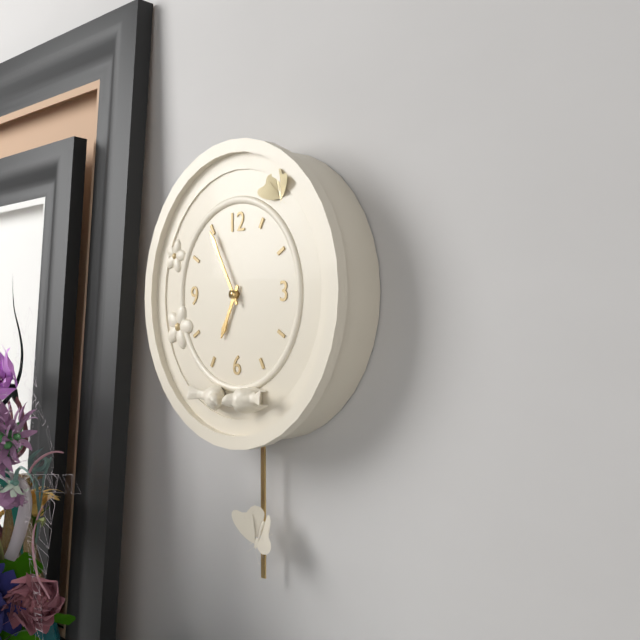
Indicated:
6.55
